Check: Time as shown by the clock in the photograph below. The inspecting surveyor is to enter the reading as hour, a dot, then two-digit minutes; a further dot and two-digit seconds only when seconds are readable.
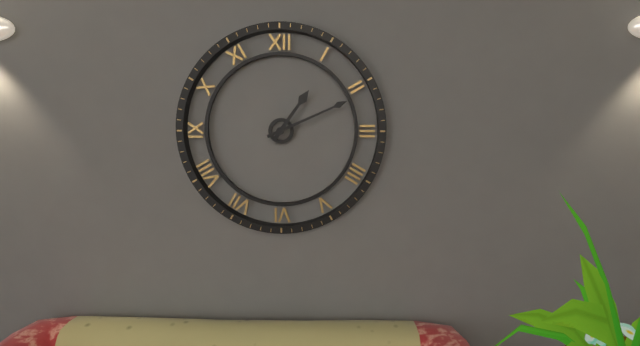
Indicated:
1.11
